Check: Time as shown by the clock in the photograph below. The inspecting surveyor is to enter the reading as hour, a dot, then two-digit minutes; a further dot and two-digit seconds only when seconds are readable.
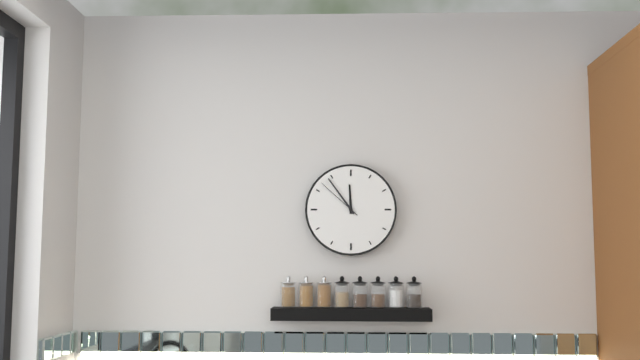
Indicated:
11.54
